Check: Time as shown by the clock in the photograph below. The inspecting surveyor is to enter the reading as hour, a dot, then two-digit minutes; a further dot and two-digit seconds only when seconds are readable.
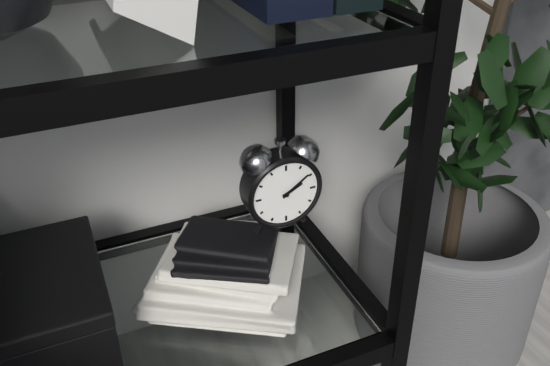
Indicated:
2.09
